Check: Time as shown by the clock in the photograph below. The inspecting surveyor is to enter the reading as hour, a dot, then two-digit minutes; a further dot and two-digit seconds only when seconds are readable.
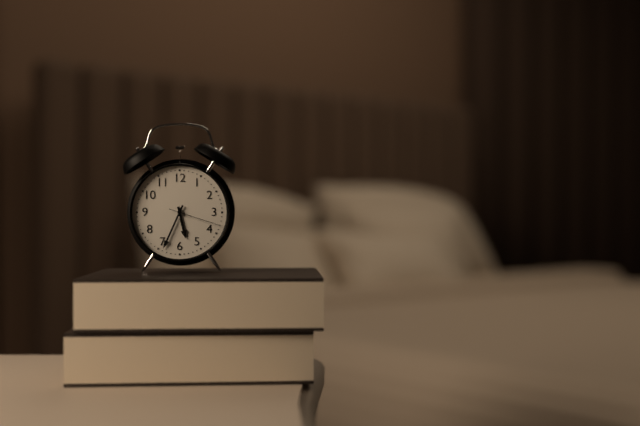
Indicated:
5.34.18
